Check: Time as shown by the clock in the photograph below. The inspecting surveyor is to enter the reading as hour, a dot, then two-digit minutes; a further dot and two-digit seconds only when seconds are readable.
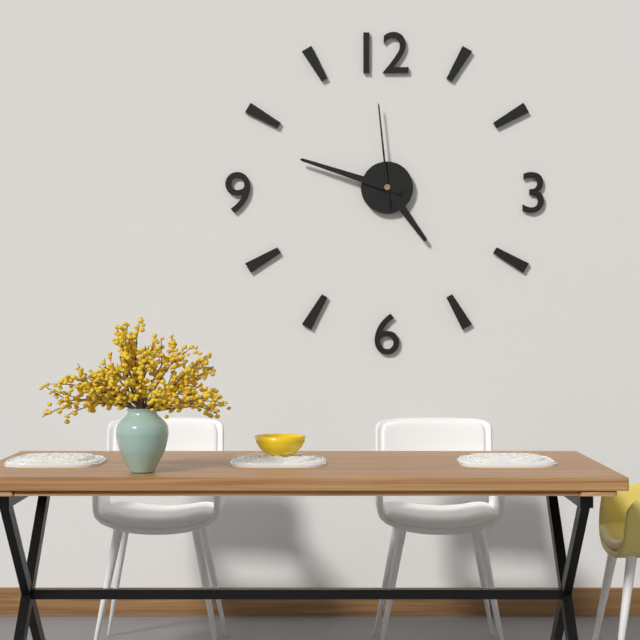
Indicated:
4.48.59
